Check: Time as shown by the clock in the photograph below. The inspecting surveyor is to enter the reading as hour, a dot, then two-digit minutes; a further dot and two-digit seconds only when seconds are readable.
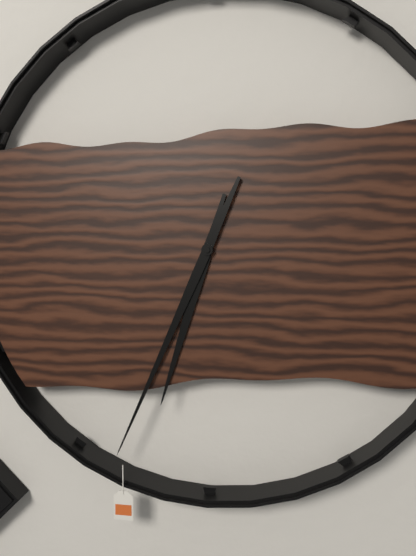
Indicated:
6.34
